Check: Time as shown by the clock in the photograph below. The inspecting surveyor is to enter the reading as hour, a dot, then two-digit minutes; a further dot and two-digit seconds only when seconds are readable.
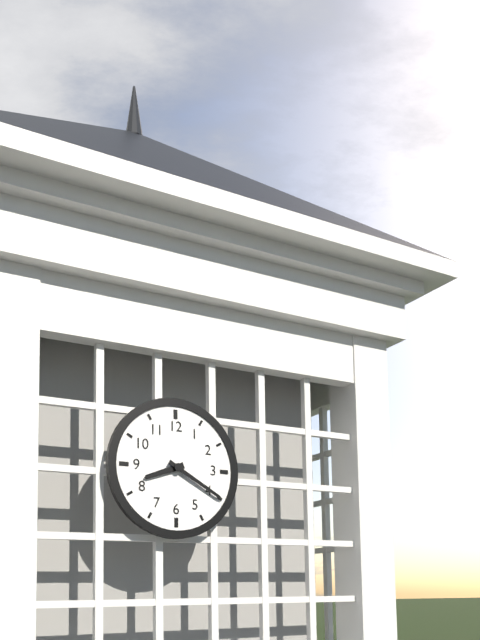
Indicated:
8.20
